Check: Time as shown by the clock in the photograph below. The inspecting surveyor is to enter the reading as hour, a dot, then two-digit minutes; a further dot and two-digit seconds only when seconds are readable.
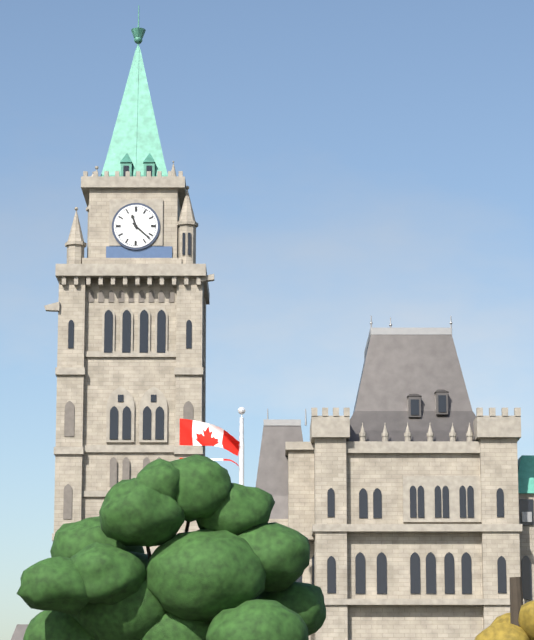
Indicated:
11.22
